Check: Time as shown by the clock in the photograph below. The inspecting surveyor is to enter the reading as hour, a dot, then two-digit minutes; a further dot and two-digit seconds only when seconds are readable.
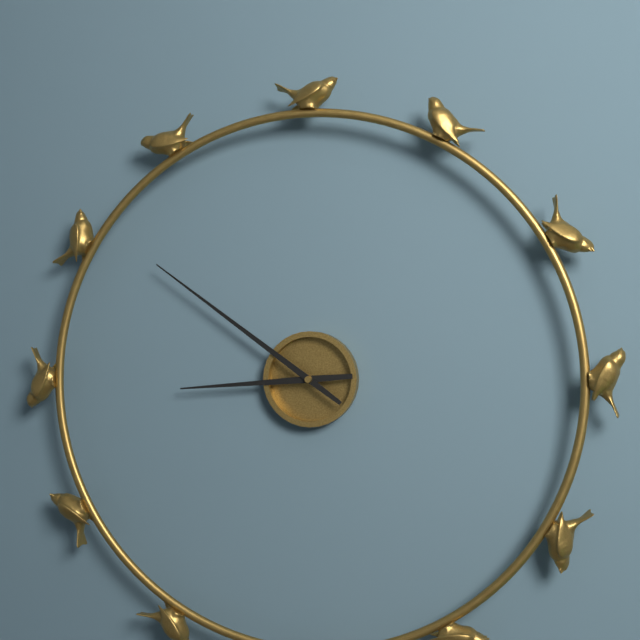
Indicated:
8.51
